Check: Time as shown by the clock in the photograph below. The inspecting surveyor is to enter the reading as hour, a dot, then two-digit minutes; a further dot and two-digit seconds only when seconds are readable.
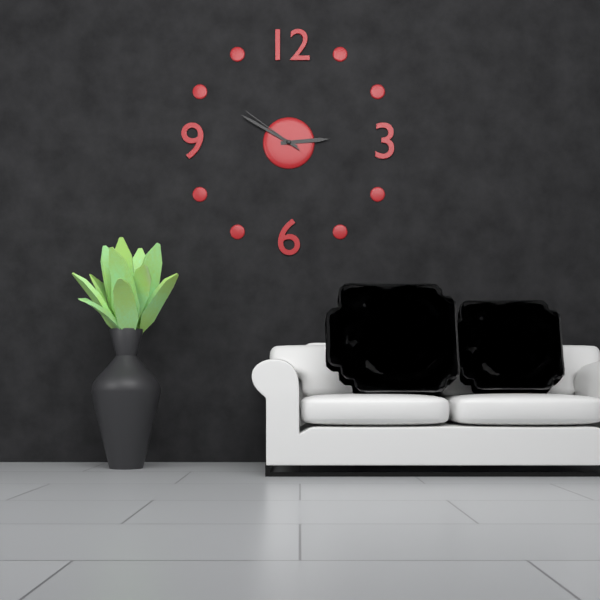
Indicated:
2.50.51
